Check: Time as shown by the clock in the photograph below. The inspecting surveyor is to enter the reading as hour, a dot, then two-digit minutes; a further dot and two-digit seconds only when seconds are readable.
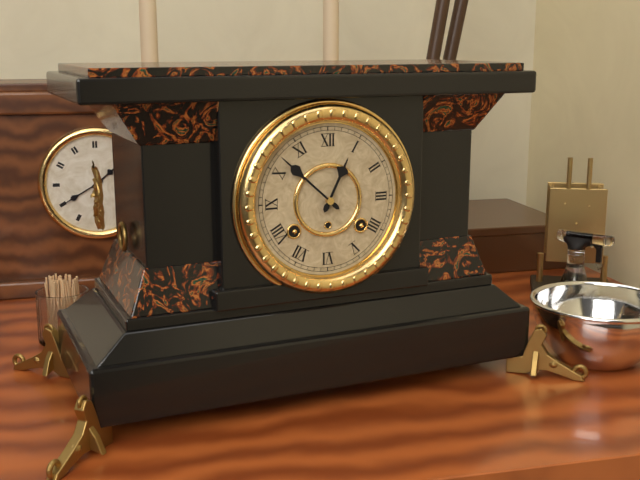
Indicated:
12.52
